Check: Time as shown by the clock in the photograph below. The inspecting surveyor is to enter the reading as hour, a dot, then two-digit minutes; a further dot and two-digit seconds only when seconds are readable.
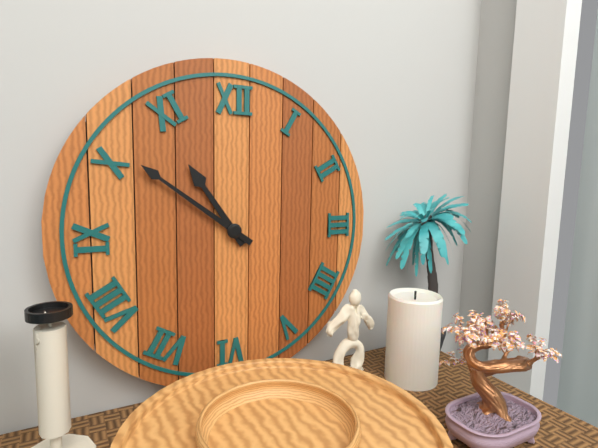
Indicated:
10.51
